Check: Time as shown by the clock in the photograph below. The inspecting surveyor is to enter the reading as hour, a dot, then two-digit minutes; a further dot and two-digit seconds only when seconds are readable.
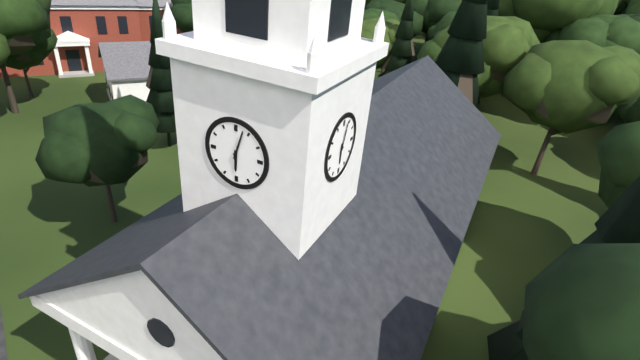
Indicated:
6.03
